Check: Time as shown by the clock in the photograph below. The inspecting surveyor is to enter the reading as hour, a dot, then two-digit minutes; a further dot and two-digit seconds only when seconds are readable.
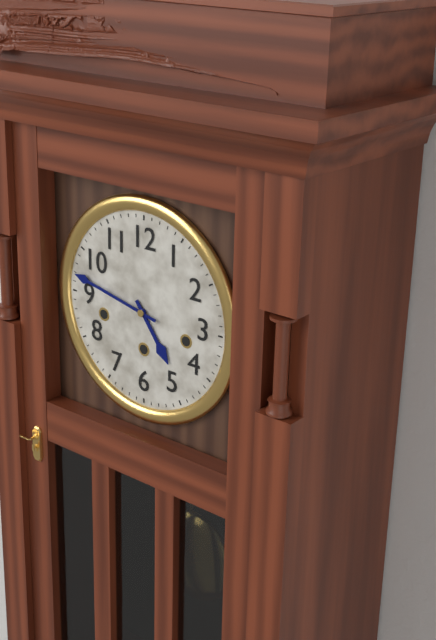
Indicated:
4.47
